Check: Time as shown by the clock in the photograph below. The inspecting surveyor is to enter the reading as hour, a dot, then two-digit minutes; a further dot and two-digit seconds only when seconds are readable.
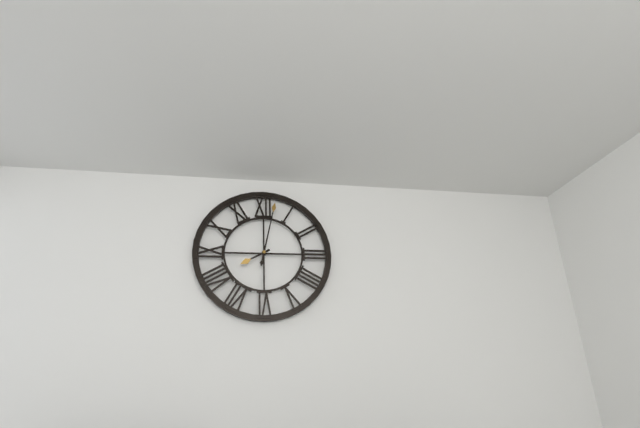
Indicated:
8.02
